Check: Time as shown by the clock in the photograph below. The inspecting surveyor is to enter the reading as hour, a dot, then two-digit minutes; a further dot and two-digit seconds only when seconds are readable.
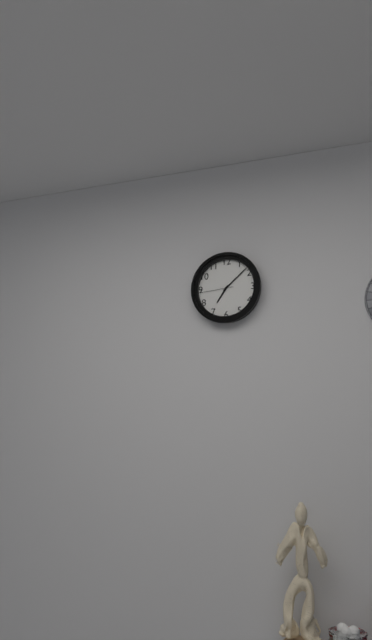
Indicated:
7.08
